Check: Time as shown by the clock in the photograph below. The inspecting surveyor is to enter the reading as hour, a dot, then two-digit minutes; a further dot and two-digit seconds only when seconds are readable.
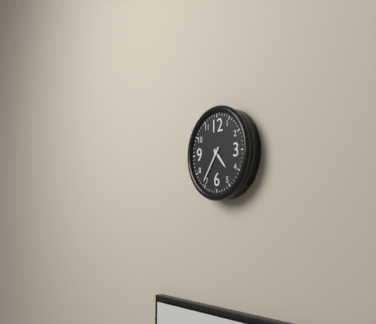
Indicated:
4.36
